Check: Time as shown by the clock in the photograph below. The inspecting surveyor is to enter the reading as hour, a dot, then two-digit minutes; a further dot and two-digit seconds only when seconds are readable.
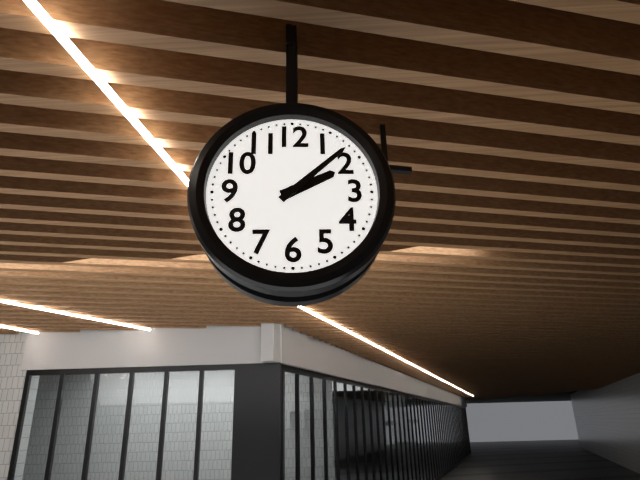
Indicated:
2.08
